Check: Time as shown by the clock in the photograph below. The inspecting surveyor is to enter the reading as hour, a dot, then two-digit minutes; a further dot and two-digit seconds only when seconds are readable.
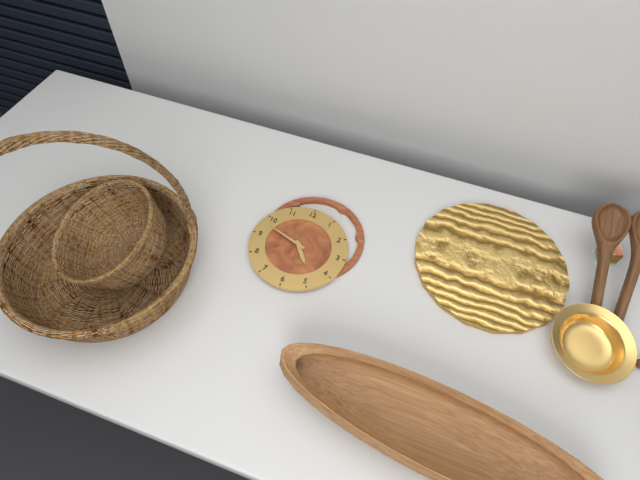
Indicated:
4.48
